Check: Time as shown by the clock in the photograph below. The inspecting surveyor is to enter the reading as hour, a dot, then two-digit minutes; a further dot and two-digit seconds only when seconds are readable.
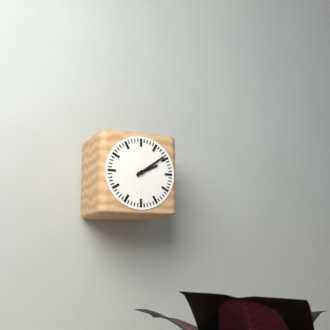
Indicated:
2.09
